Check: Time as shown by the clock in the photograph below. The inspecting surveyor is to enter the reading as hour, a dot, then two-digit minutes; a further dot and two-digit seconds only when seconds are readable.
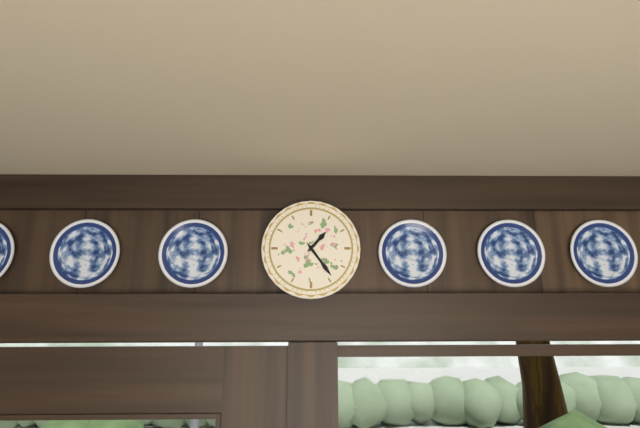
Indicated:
1.24
